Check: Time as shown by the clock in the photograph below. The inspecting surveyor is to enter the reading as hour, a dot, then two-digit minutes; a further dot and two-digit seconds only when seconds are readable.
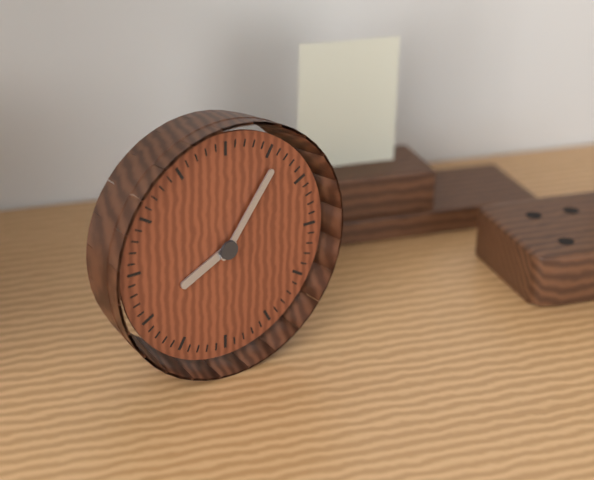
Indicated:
8.06
